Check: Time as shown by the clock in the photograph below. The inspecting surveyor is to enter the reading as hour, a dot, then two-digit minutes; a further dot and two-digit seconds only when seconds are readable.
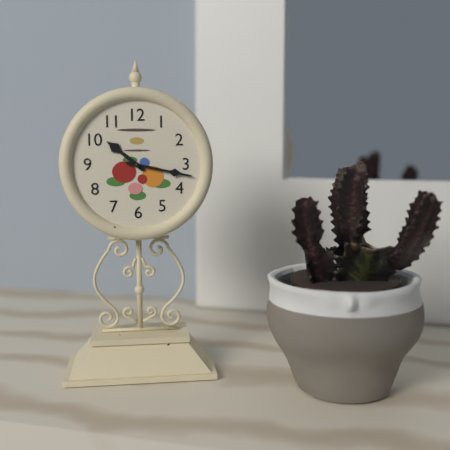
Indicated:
10.17
